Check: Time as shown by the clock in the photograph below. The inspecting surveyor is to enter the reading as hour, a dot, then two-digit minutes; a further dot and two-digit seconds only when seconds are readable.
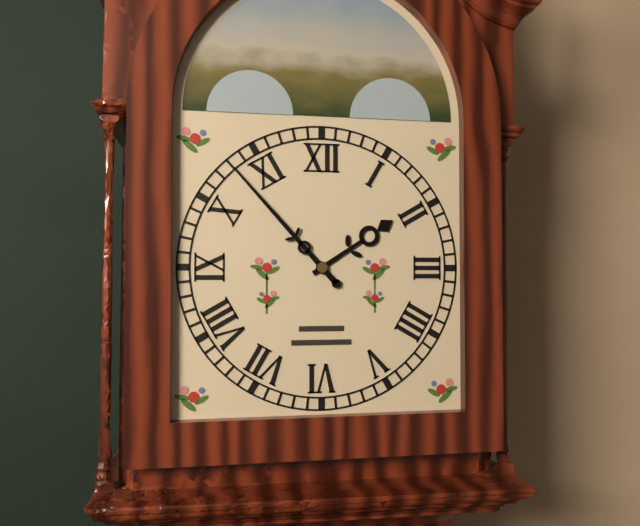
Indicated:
1.53
